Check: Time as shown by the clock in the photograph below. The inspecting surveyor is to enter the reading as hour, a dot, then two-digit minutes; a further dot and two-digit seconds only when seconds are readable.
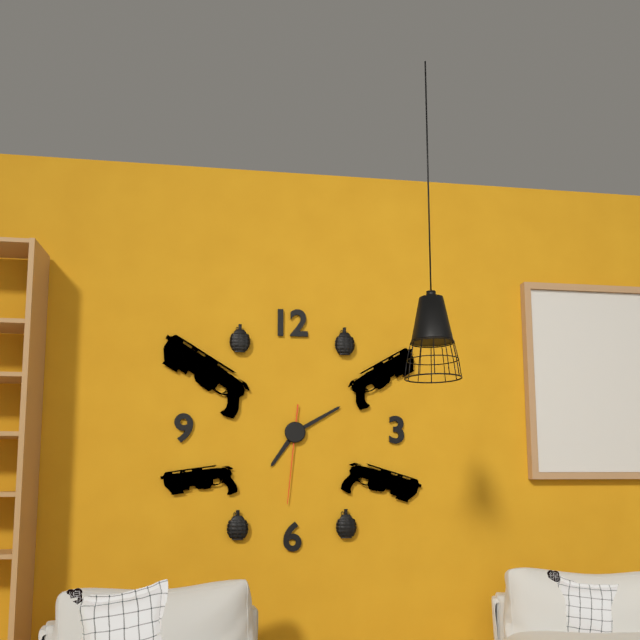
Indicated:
7.10.31
